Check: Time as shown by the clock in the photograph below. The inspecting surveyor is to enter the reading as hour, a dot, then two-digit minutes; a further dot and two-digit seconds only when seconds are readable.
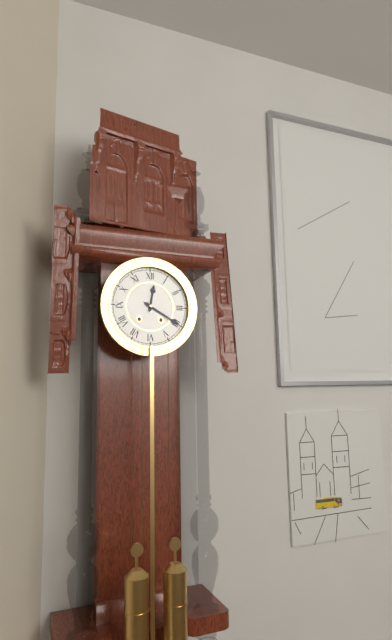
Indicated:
12.20
